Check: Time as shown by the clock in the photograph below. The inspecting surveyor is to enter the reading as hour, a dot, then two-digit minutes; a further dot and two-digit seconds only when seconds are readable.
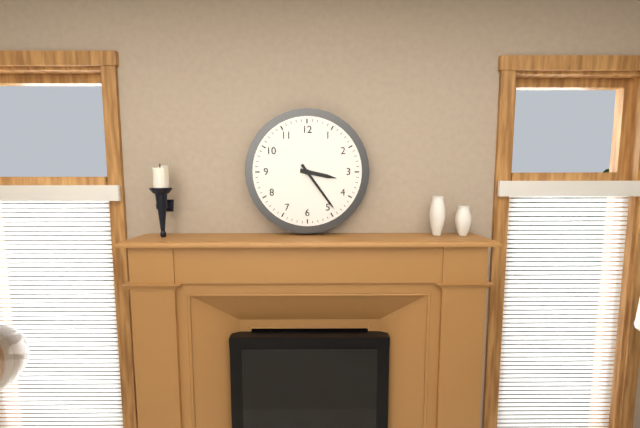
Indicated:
3.24
